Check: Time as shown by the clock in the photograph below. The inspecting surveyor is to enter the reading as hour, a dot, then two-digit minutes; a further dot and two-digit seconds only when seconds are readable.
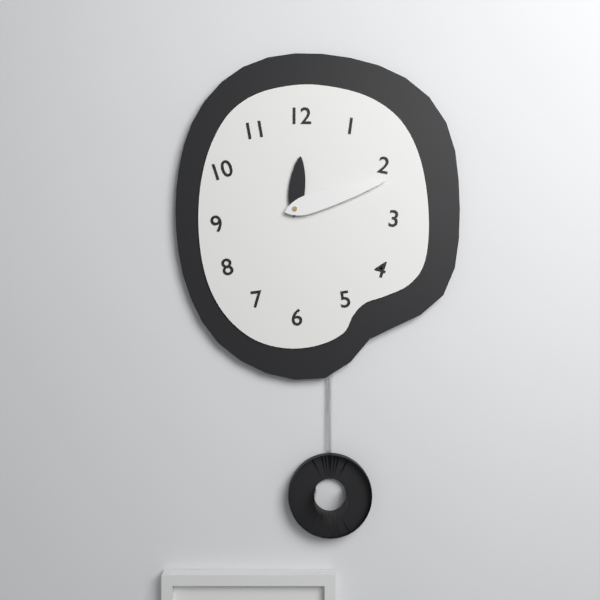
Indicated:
12.12
